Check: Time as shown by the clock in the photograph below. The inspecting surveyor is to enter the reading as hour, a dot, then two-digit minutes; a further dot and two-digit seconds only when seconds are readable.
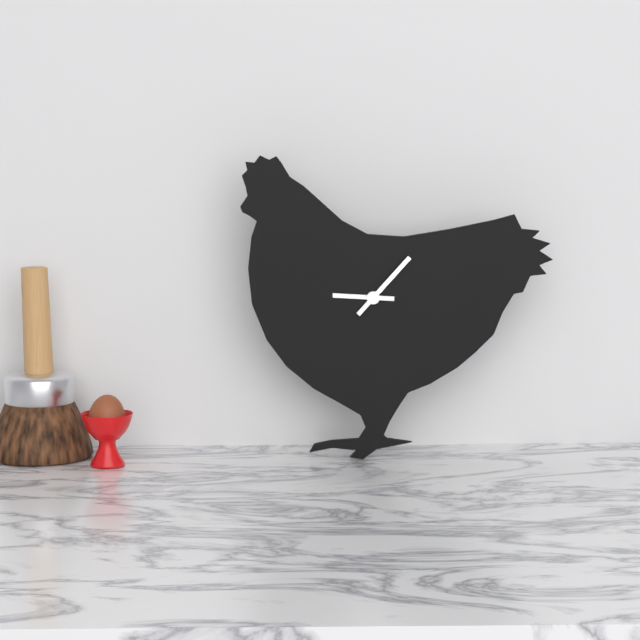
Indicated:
9.07
